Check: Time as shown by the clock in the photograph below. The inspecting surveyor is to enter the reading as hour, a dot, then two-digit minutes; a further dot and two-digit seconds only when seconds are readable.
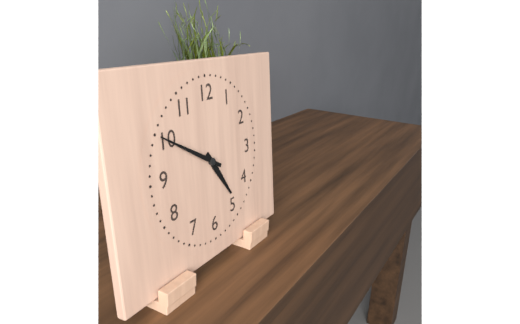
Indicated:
4.50
